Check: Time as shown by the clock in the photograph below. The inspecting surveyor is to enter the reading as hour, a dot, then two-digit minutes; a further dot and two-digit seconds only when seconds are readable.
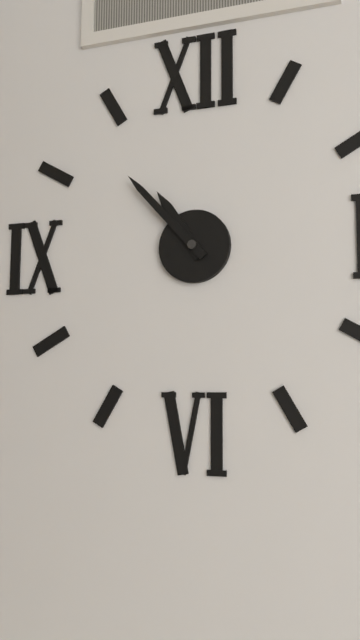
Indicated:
10.53
